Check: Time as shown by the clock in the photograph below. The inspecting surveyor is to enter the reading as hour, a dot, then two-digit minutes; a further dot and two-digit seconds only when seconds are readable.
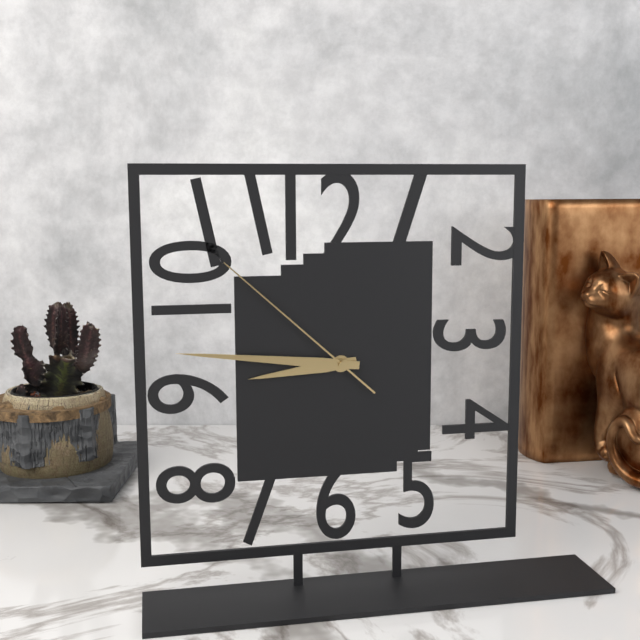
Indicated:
8.46.52
